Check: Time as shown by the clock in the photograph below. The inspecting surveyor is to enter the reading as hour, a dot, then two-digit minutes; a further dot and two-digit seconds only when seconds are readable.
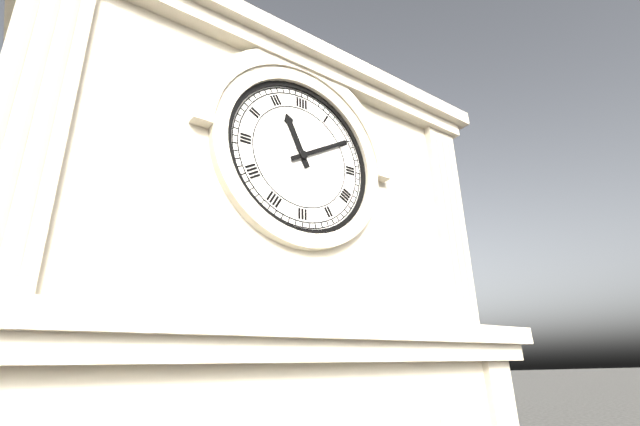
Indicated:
11.10
